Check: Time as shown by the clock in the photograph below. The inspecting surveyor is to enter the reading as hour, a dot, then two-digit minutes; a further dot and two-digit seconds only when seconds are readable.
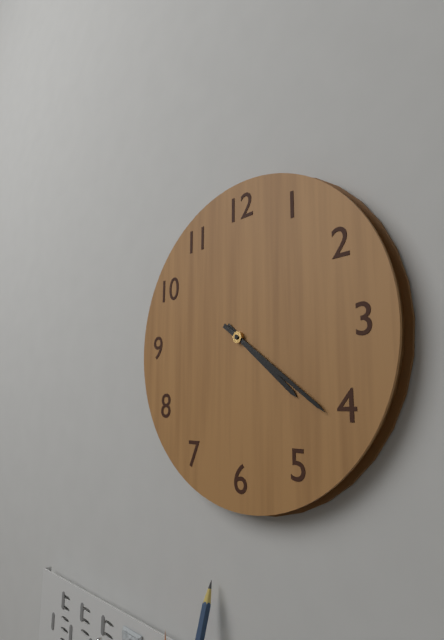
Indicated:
4.21
